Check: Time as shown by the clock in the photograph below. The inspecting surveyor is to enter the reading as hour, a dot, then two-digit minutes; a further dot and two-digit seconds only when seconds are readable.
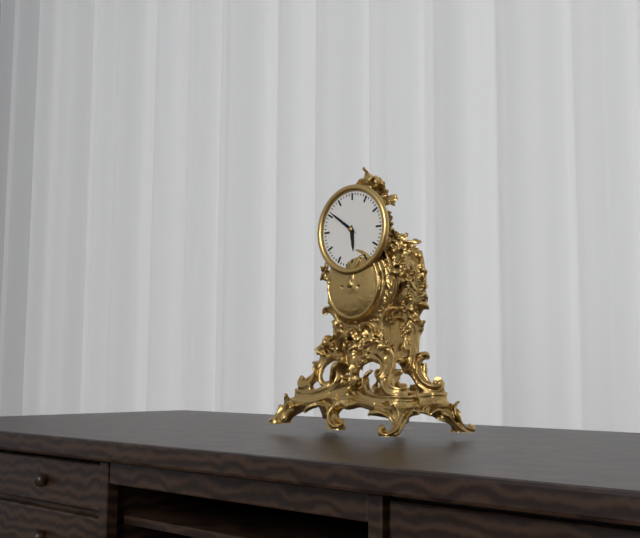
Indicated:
5.51
